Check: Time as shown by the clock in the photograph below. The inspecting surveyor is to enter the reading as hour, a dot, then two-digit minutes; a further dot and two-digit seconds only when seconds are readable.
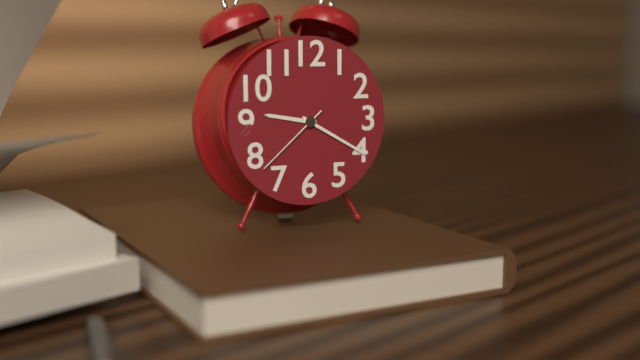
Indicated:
9.20.38
